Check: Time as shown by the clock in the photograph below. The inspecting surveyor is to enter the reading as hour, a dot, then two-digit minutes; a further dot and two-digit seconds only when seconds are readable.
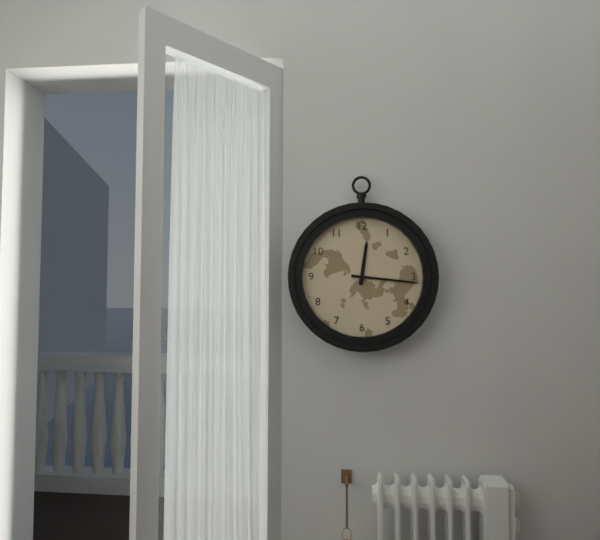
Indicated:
12.16
